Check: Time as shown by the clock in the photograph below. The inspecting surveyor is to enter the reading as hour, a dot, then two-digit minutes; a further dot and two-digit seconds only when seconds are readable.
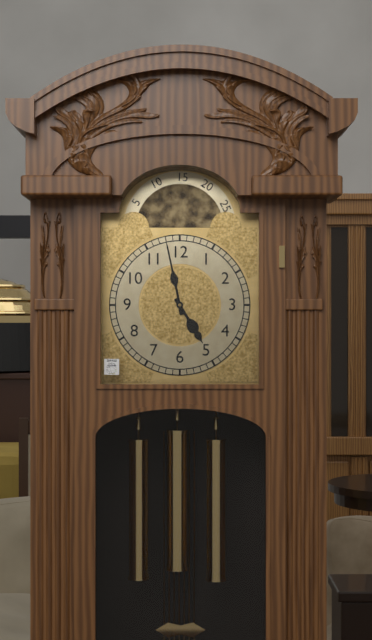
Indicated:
4.58
